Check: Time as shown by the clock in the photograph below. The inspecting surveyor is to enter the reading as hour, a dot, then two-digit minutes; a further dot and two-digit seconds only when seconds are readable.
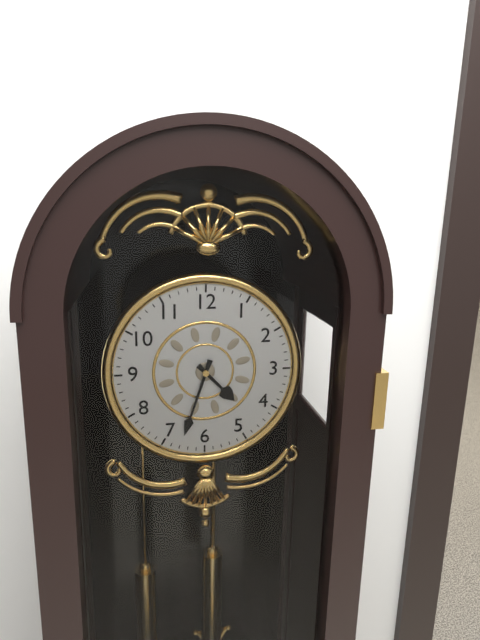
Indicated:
4.33
